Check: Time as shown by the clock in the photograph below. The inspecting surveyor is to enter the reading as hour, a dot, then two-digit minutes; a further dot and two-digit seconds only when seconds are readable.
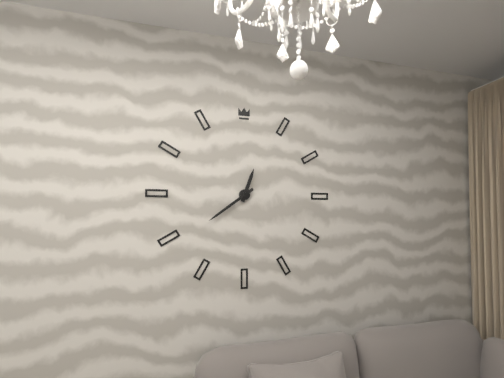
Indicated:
12.39
